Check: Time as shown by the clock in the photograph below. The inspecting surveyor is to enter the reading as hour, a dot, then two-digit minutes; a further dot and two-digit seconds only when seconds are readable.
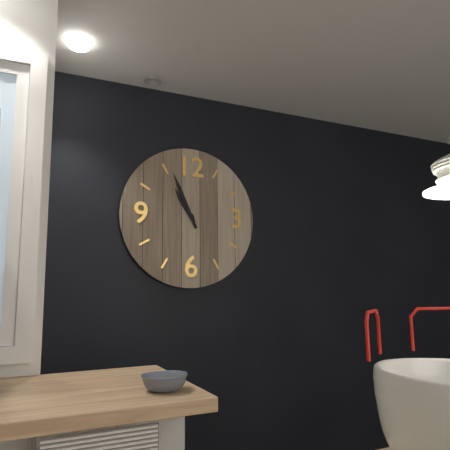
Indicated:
10.56
